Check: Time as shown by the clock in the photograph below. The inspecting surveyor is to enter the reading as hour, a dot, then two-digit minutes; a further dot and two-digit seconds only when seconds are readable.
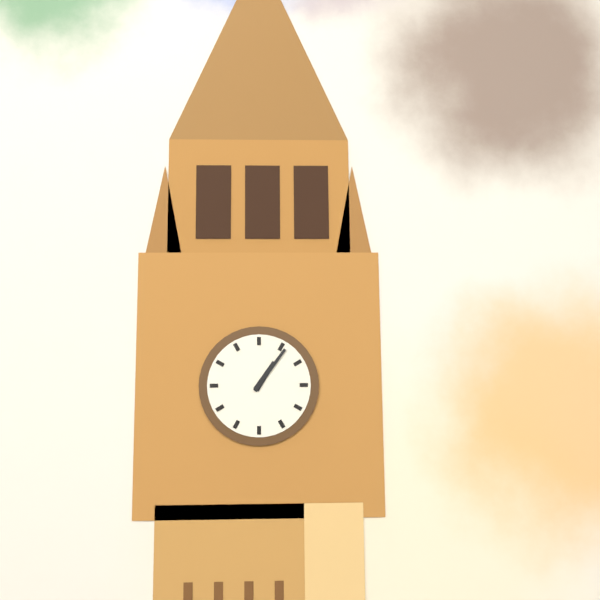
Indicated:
1.06
